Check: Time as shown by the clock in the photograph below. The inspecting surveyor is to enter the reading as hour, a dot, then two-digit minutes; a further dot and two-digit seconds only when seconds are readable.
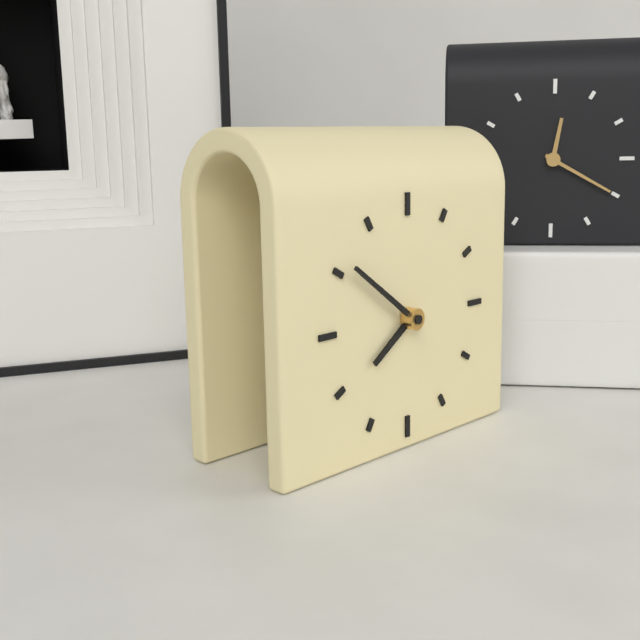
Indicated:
7.51
